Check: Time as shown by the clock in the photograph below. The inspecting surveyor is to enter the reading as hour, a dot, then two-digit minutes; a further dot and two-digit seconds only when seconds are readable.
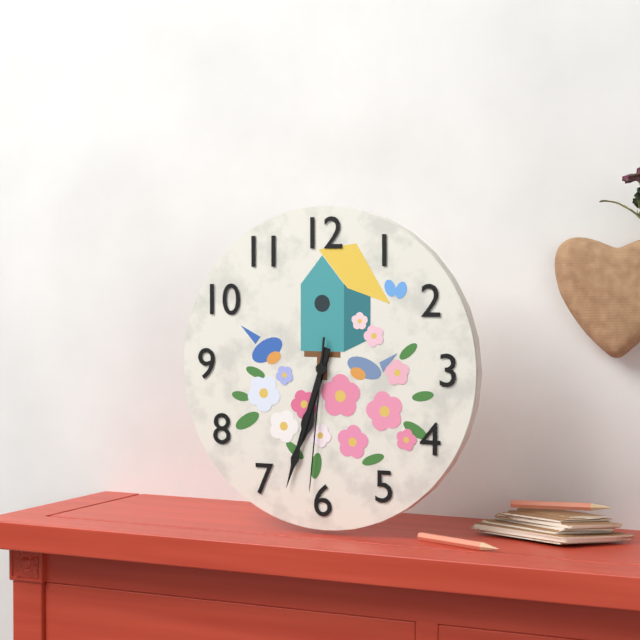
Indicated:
6.33.31
